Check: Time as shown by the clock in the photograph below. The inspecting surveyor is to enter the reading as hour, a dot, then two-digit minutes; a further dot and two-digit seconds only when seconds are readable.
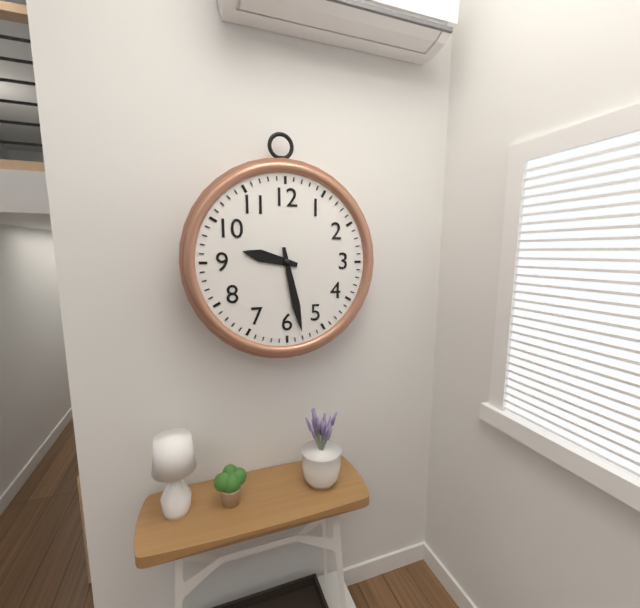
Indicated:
9.28
